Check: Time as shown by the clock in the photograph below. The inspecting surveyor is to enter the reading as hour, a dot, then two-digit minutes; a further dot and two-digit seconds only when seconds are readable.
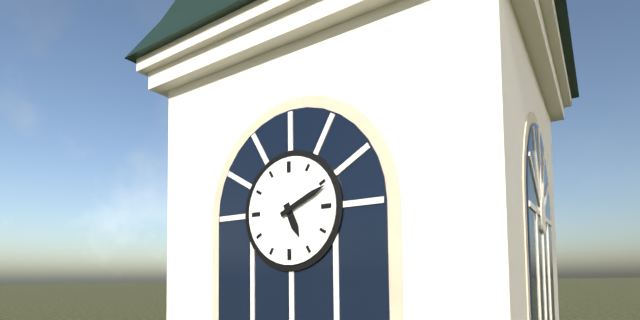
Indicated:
5.11
